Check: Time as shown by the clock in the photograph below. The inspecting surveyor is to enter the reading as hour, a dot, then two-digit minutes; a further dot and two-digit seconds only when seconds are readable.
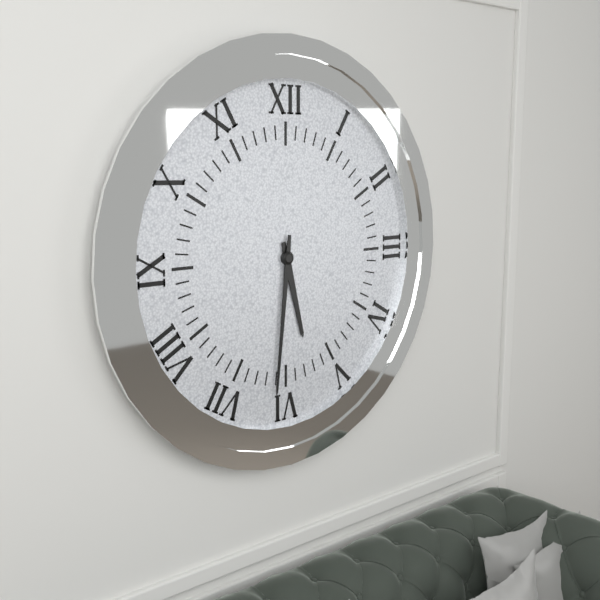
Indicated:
5.31
